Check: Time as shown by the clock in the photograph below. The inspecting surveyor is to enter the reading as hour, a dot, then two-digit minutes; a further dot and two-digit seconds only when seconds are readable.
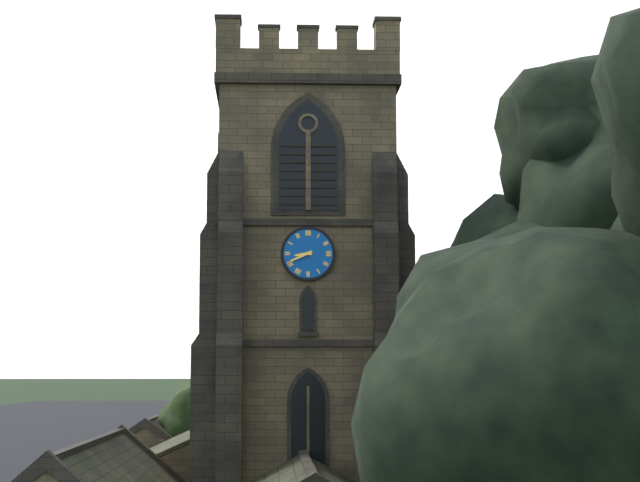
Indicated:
8.41
